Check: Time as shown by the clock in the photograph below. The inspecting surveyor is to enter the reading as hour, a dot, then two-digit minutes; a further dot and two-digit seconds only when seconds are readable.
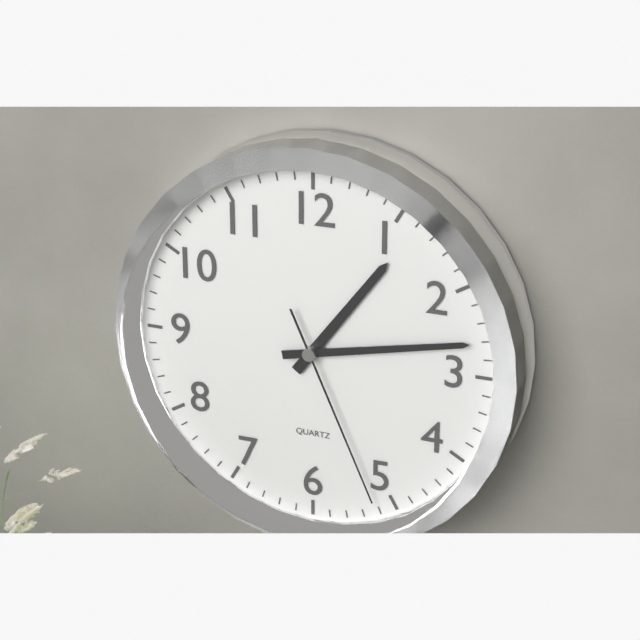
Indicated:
1.13.26
